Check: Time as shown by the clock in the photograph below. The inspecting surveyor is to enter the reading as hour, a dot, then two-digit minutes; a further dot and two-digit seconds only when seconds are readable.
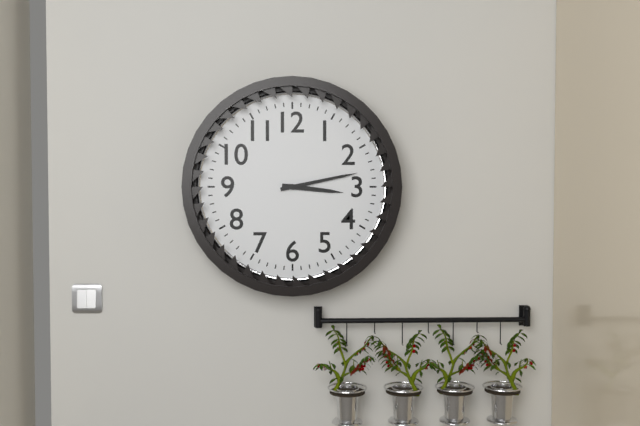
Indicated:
3.13
